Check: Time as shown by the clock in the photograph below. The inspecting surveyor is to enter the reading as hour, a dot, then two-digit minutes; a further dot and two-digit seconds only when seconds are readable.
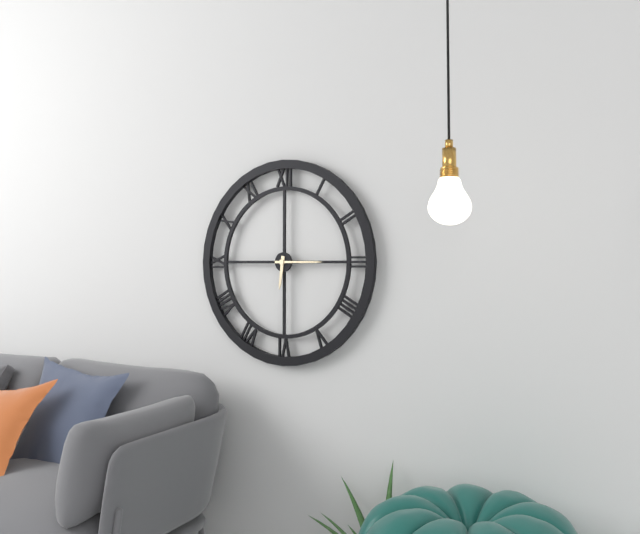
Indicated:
6.15
